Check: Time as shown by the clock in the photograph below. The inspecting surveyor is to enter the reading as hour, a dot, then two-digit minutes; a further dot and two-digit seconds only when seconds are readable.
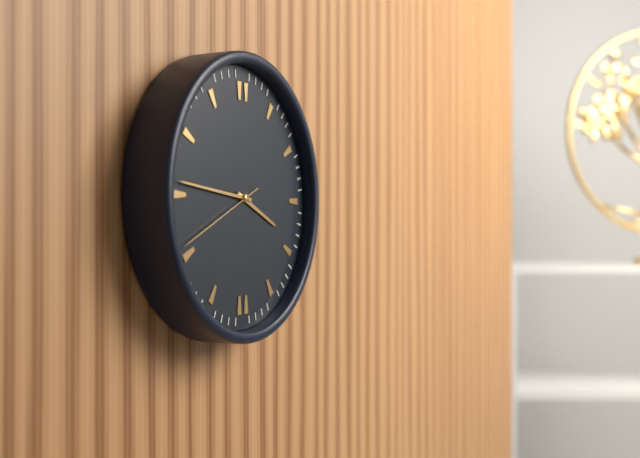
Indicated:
3.46.41
